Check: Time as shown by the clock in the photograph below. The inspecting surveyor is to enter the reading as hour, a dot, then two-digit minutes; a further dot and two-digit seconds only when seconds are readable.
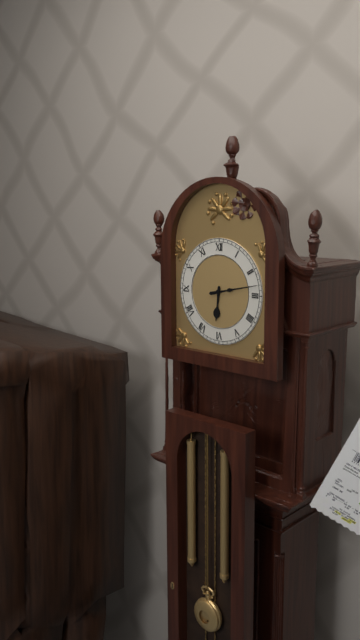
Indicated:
6.13
